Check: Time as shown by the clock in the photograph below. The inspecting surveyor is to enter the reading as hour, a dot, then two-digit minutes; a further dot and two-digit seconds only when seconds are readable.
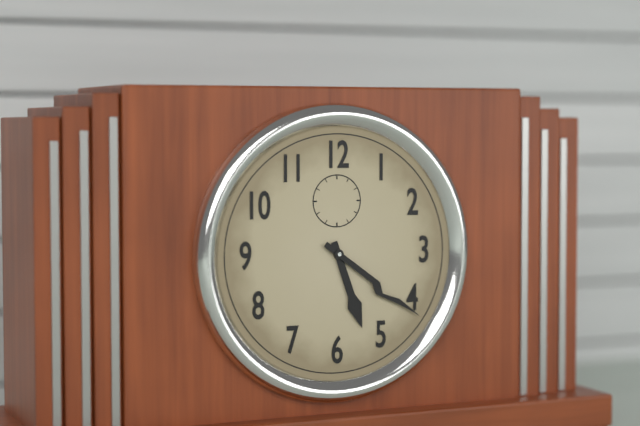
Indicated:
5.21
